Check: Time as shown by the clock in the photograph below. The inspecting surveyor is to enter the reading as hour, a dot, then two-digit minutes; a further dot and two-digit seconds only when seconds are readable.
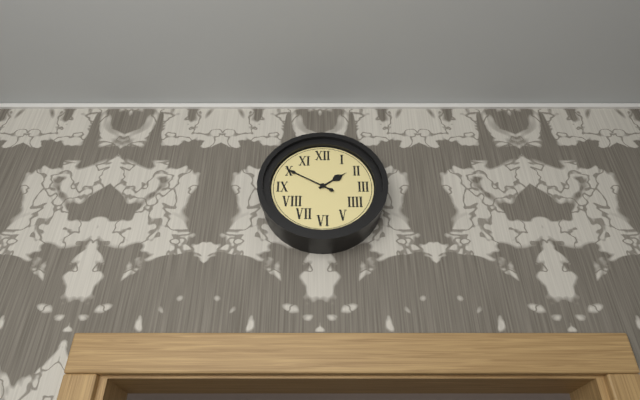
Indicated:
1.50
